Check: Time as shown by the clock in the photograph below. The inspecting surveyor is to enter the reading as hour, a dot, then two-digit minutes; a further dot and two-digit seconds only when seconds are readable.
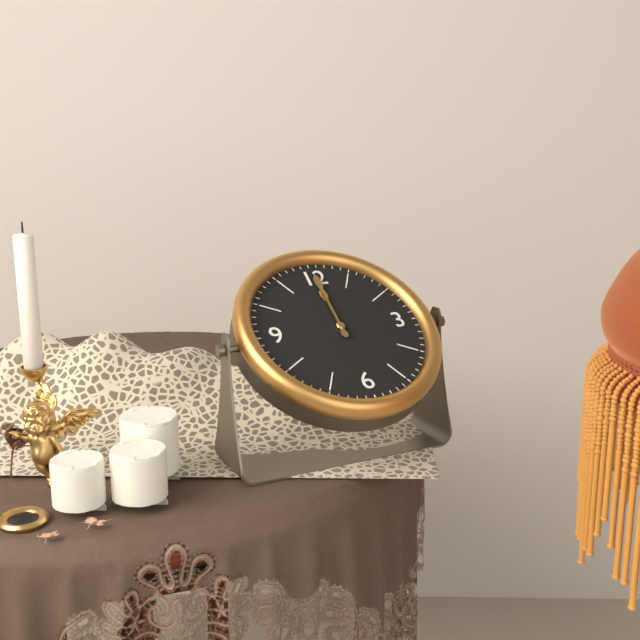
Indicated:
12.00
